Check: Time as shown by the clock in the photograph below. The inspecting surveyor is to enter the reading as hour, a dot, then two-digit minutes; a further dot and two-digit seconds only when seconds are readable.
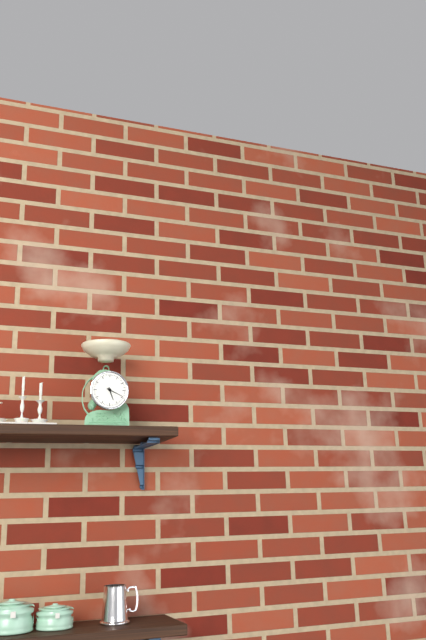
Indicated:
5.19
